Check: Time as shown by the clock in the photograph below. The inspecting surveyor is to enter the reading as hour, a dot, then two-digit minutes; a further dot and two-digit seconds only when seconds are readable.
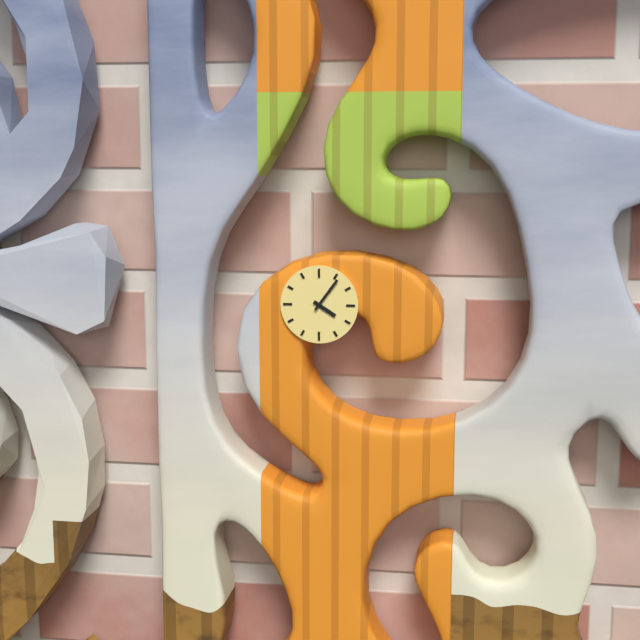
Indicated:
4.06
